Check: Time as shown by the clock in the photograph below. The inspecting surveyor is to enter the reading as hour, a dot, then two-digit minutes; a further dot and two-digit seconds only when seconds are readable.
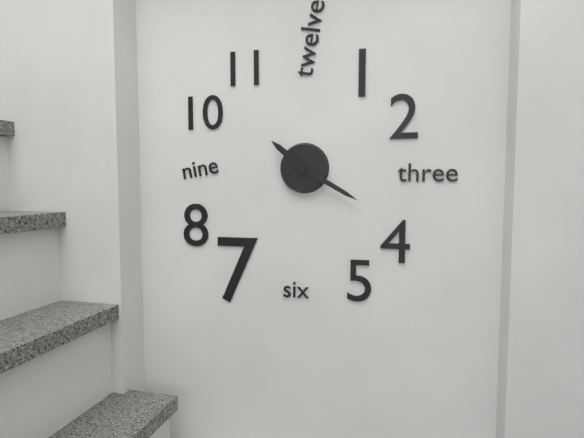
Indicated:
10.20
